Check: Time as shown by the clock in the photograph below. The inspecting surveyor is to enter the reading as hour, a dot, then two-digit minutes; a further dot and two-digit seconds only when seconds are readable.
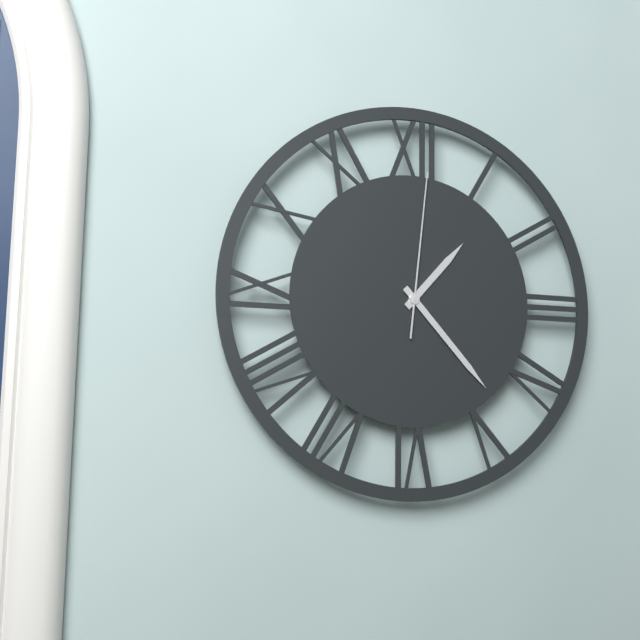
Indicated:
1.23.01
